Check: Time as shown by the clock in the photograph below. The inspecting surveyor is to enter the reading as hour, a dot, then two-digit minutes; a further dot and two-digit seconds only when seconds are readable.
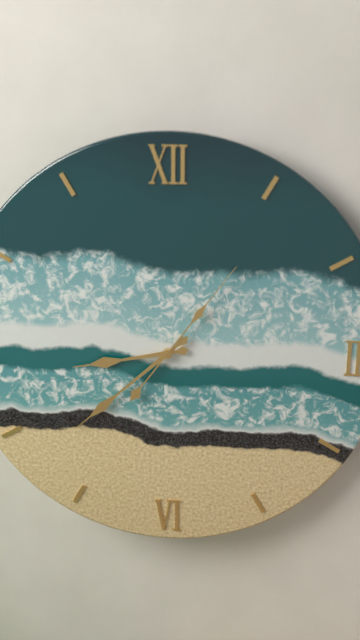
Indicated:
8.38.06
